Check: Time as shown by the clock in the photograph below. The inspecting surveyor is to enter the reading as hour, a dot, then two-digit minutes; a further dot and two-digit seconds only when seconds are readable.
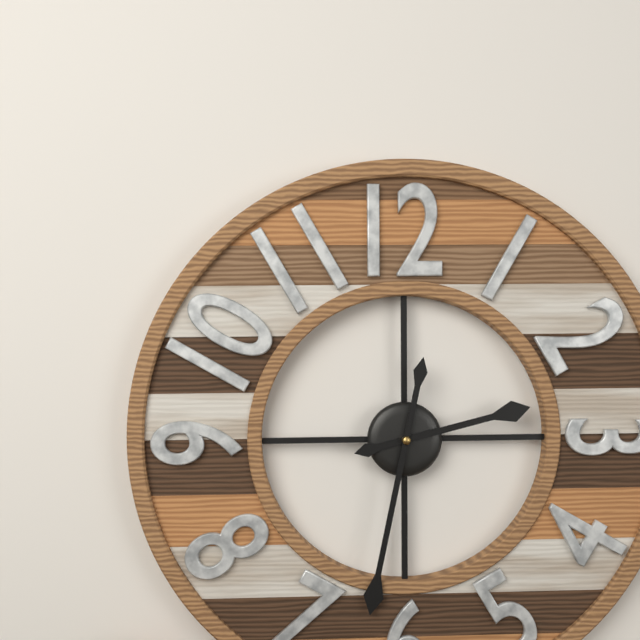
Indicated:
2.32
